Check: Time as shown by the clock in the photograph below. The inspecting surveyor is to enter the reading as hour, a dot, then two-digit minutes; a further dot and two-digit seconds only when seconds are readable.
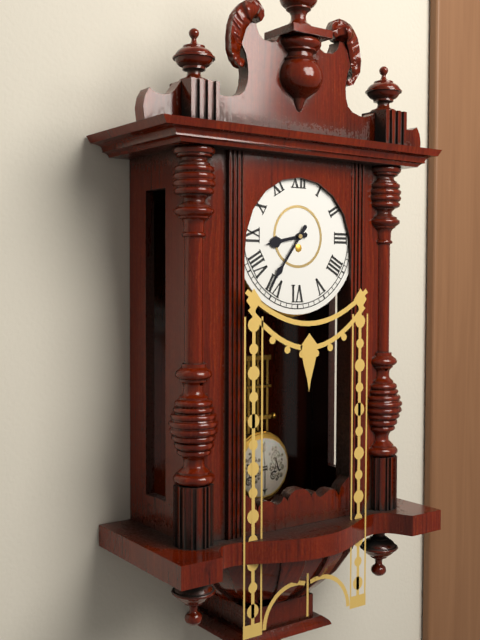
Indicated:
8.36
